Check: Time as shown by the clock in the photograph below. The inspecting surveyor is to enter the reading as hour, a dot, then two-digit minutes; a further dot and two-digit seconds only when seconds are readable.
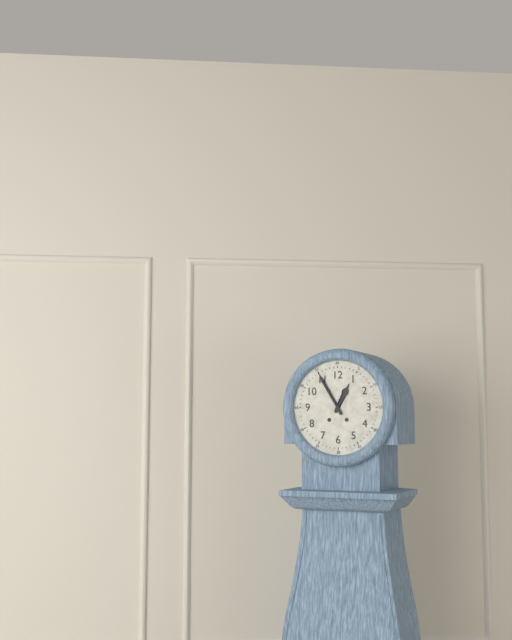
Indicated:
12.55
